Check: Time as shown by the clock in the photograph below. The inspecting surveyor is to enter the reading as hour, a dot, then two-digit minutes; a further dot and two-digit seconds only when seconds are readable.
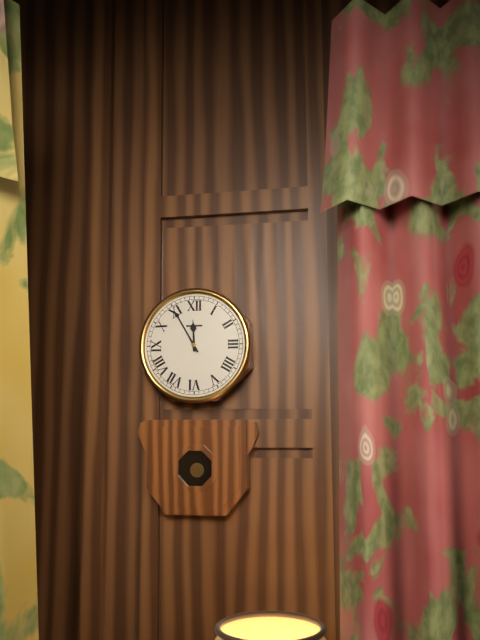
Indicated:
11.55
